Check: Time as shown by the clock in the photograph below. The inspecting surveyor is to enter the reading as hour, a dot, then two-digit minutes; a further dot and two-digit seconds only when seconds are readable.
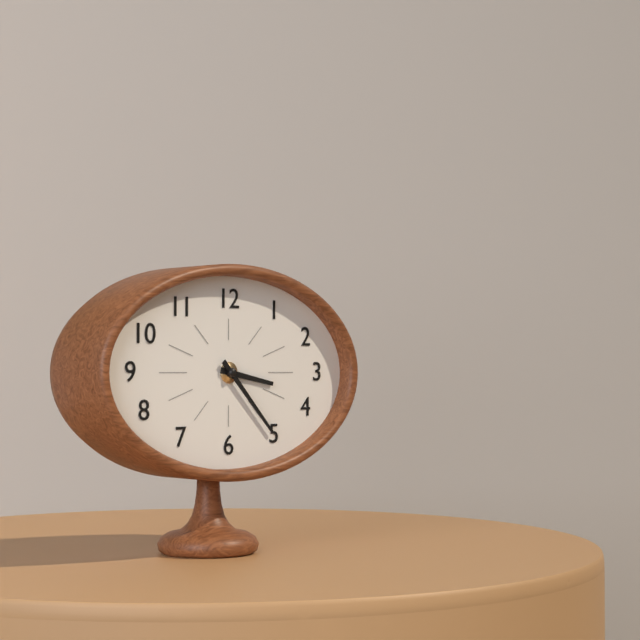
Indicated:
3.23
